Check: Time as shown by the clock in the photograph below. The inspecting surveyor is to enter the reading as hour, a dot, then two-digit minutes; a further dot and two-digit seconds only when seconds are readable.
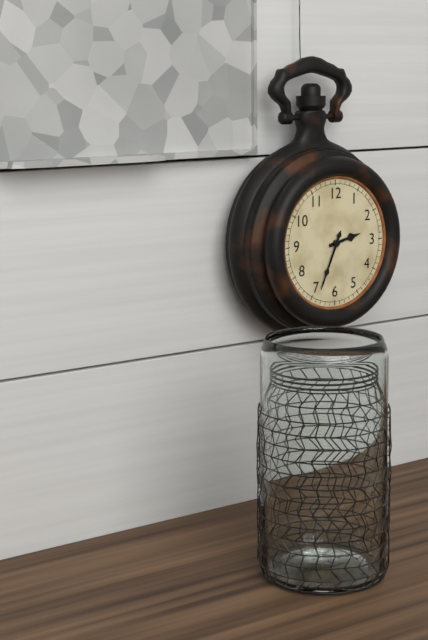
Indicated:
2.34
